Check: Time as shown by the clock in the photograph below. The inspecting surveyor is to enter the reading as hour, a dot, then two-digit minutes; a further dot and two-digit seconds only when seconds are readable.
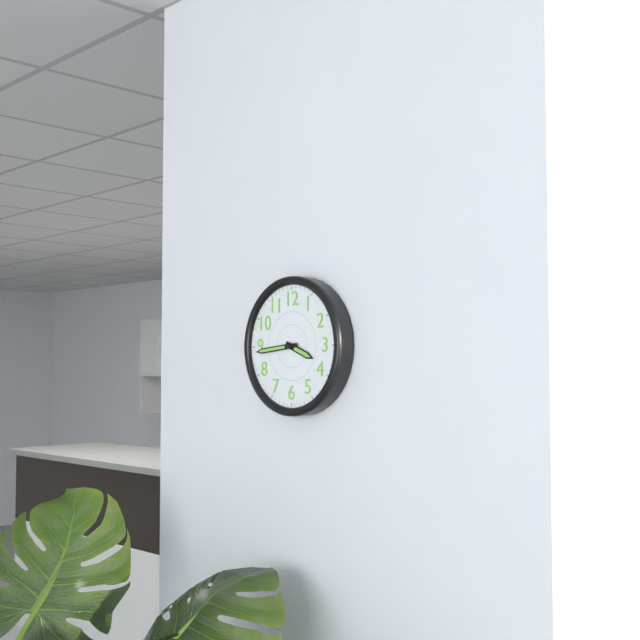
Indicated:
3.44
